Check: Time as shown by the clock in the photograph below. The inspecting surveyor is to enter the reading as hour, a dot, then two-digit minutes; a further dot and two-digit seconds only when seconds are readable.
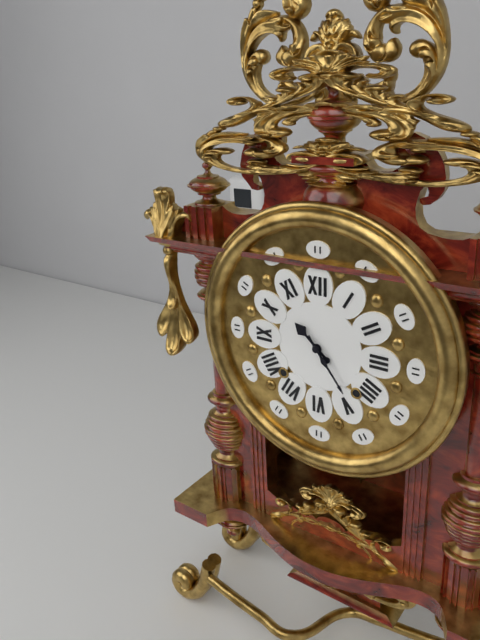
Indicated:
10.24
